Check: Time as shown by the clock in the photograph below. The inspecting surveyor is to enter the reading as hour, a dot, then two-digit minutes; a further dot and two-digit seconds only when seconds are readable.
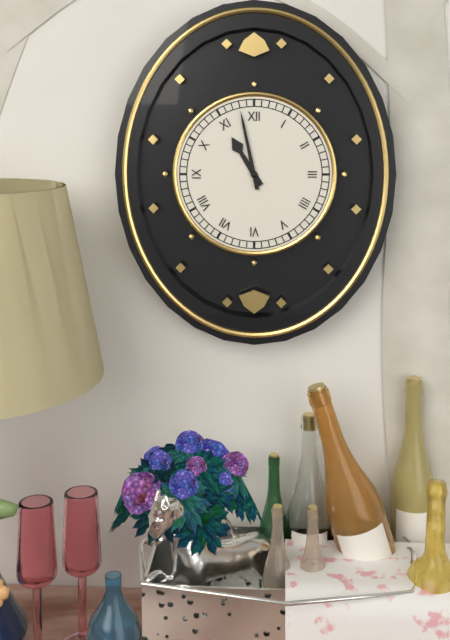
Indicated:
10.58
